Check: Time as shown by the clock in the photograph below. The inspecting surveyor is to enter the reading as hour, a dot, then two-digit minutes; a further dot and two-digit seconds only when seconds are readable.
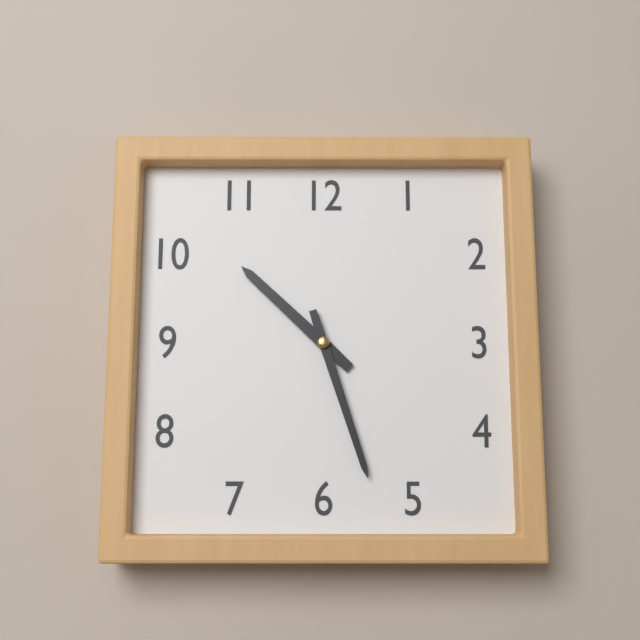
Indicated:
10.27
